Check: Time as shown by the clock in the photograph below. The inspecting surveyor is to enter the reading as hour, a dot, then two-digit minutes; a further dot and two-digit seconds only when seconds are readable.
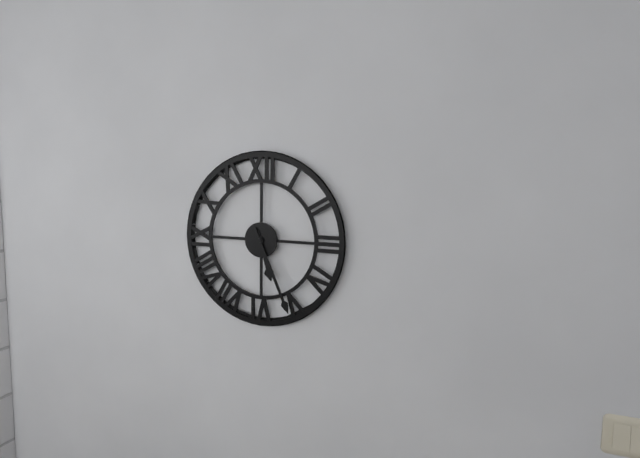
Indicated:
5.26
